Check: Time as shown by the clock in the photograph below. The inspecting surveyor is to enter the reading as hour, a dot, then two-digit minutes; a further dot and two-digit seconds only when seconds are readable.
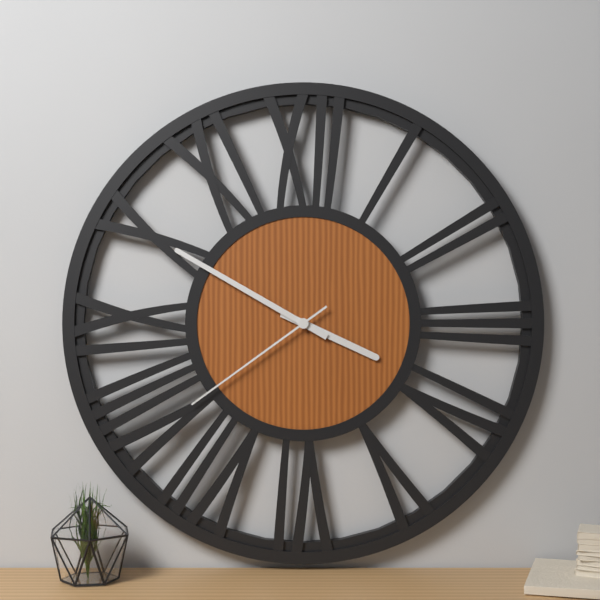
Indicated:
3.50.39
